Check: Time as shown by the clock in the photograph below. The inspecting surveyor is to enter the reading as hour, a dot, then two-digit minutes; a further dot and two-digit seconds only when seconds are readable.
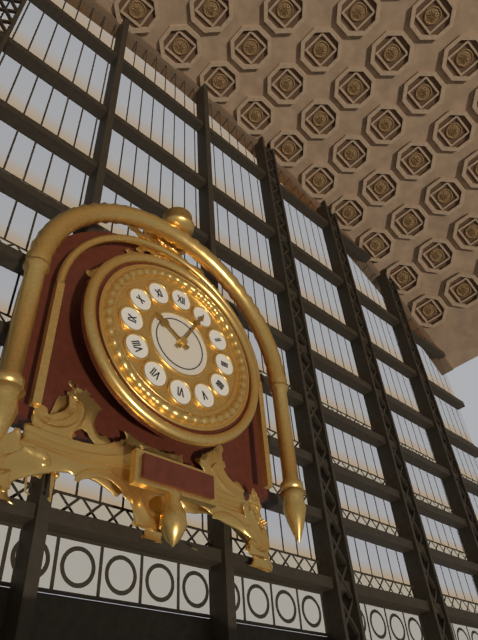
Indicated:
10.05
